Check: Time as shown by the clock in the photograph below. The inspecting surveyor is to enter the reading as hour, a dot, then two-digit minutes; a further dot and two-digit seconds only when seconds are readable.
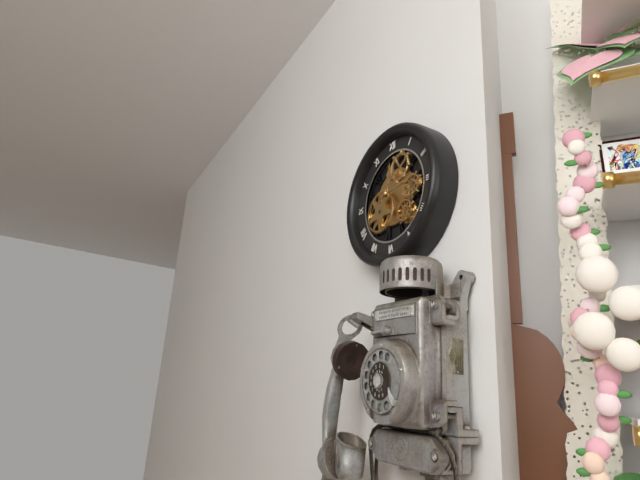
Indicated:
12.14
